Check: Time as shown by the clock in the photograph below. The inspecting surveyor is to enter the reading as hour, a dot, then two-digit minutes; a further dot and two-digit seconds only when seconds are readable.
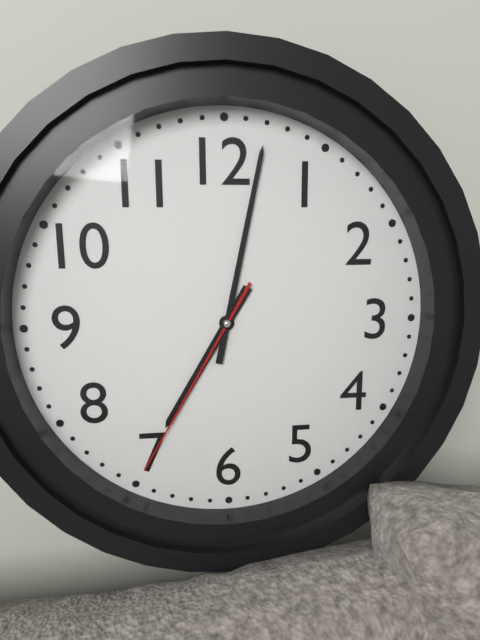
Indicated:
7.02.35
